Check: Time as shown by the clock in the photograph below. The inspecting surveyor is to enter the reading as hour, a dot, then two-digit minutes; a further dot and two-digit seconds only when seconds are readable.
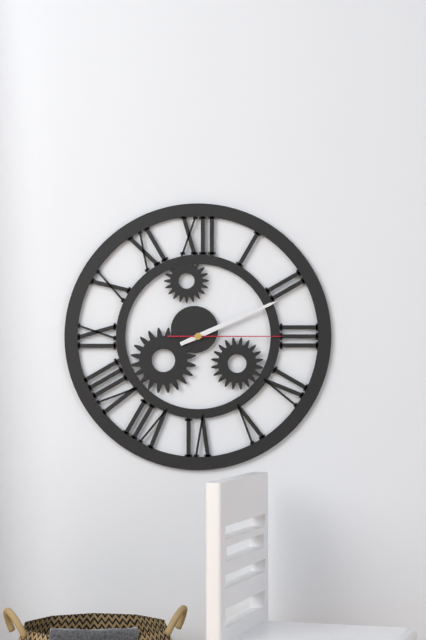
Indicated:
2.11.15
